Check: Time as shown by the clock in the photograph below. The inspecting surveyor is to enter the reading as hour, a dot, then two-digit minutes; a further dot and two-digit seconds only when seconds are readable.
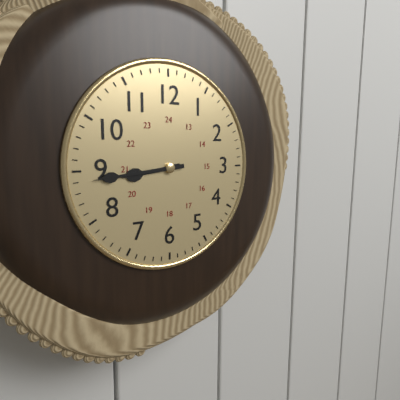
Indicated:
8.44
